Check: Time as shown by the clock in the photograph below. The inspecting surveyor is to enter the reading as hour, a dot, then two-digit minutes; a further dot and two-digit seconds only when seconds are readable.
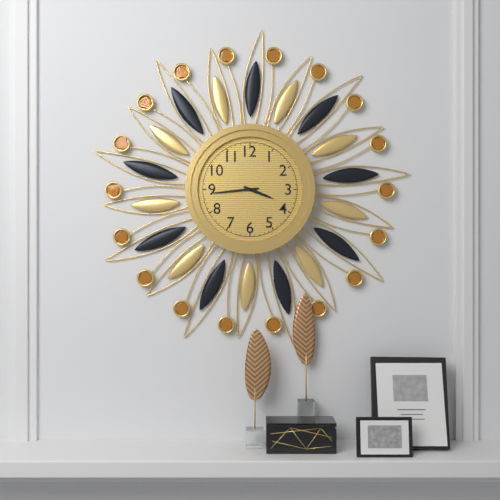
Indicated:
3.44
